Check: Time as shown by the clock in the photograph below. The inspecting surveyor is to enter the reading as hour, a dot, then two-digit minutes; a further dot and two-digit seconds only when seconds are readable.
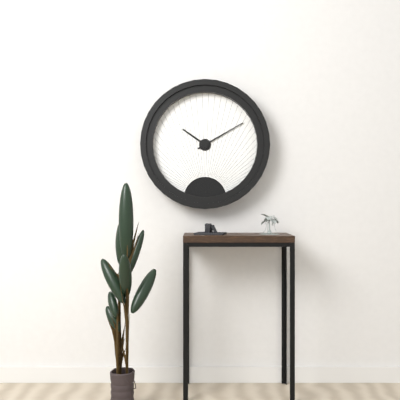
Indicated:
10.10
